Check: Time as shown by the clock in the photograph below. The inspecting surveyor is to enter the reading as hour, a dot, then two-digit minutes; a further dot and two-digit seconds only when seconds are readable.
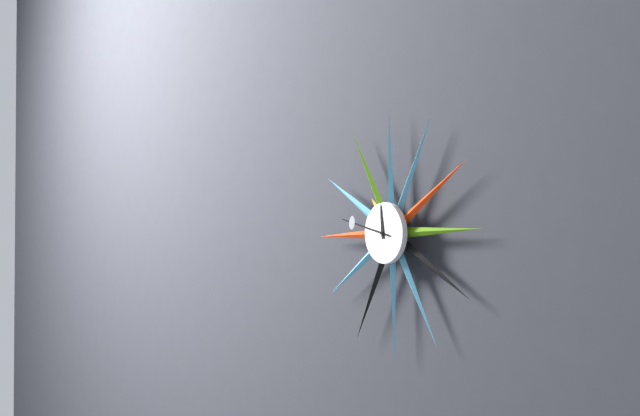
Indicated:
11.47
